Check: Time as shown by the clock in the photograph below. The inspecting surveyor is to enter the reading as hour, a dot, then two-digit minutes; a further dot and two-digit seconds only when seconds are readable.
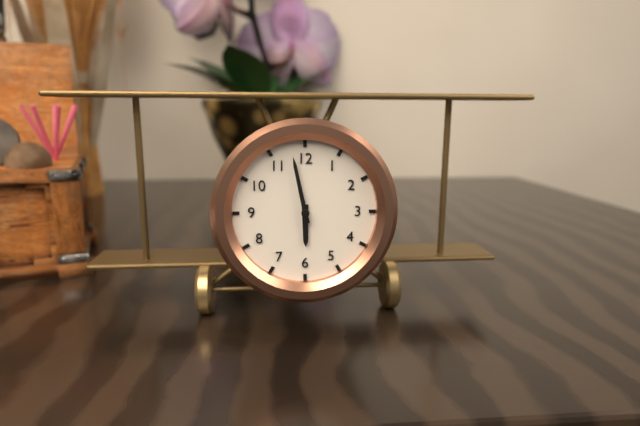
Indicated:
5.58
